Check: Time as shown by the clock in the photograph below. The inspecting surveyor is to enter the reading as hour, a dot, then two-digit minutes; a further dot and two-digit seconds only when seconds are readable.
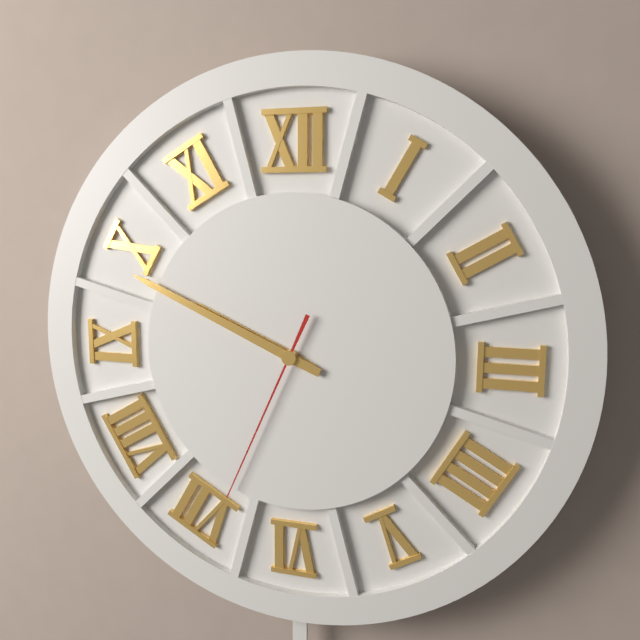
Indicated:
9.49.34
